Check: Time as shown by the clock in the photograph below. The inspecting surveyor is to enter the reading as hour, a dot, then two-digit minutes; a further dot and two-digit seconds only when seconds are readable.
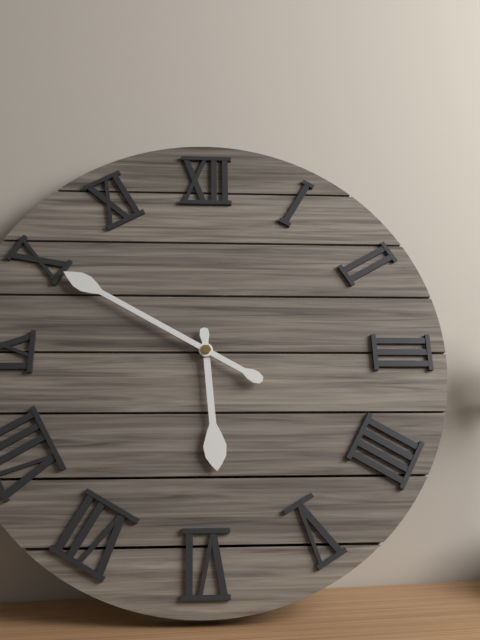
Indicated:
5.50
